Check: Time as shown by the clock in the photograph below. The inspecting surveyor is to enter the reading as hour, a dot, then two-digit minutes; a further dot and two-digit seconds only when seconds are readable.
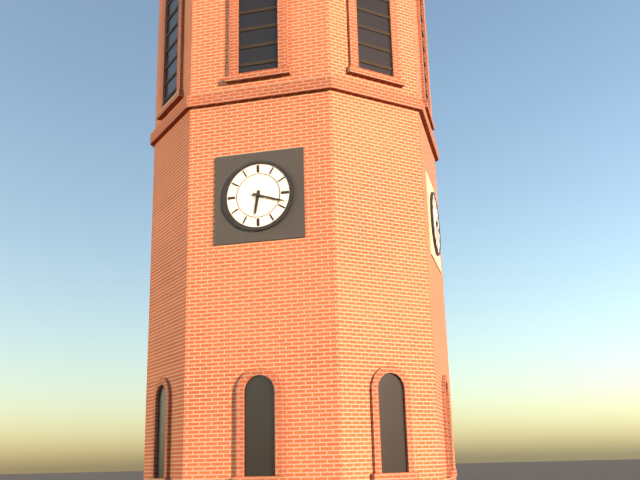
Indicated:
6.18
